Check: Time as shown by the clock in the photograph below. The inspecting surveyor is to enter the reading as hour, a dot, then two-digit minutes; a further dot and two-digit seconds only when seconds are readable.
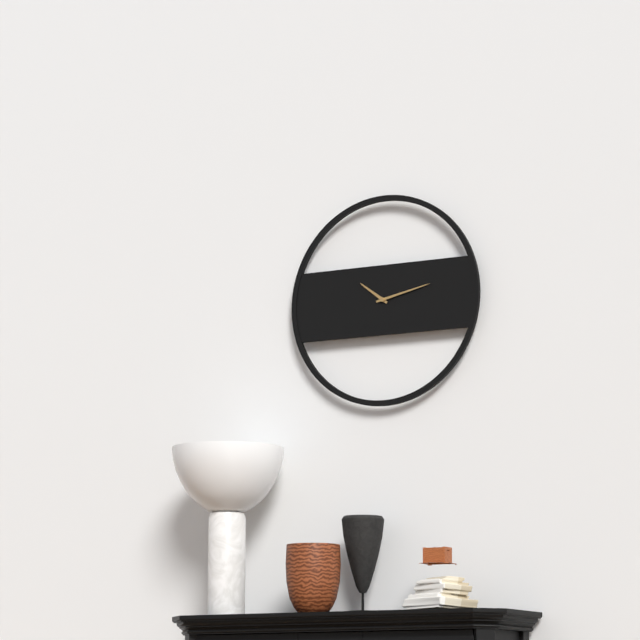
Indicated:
10.13
